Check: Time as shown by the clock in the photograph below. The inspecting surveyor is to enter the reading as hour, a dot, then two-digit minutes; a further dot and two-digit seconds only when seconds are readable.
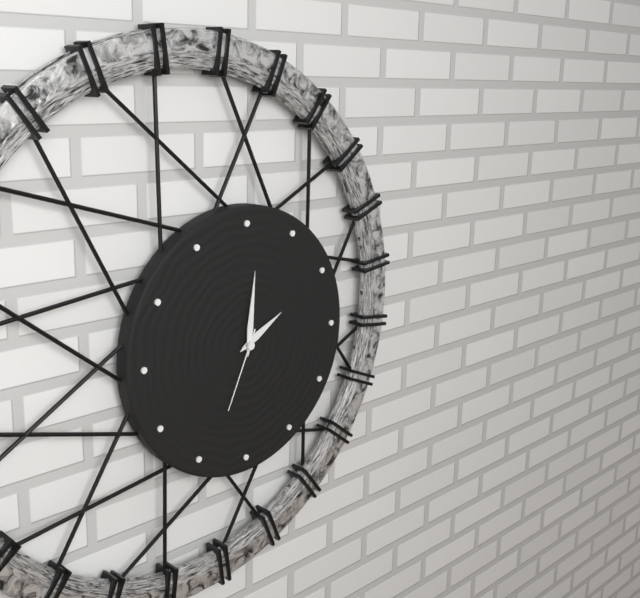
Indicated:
2.01.34
